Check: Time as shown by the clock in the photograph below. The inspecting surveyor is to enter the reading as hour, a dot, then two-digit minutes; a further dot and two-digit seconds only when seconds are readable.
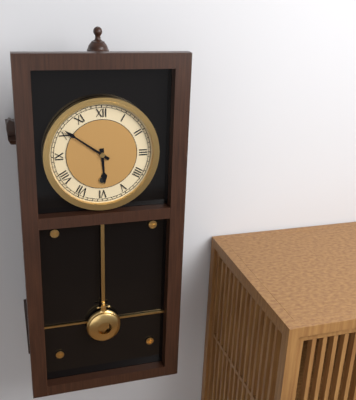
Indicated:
5.51
